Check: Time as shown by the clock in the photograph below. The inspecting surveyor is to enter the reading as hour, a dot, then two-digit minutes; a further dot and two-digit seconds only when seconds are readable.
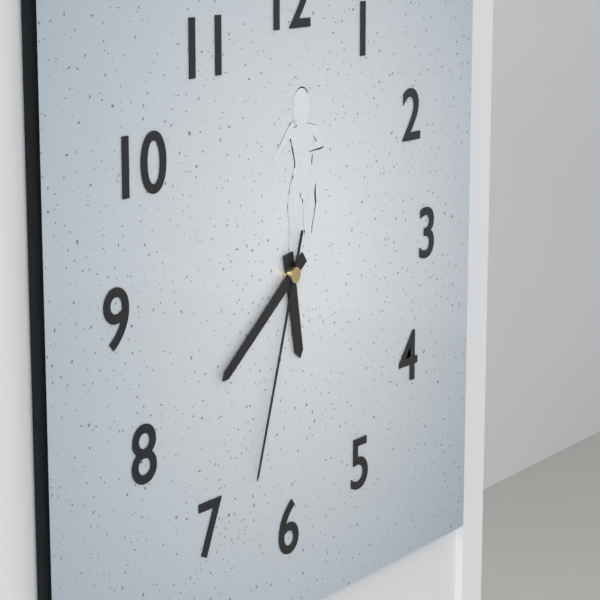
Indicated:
5.39.33
